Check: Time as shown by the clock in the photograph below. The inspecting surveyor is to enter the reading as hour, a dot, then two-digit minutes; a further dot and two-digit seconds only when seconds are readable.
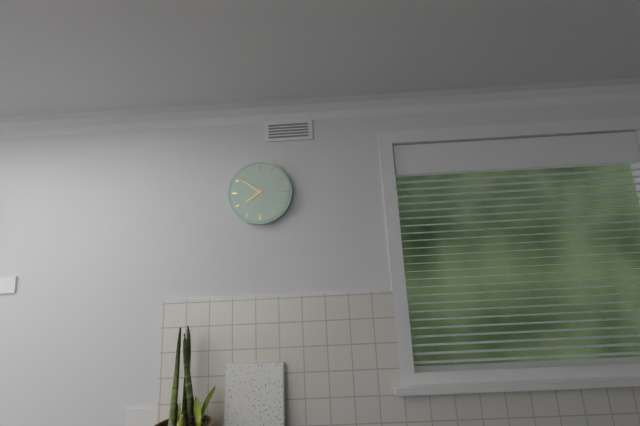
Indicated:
7.51
